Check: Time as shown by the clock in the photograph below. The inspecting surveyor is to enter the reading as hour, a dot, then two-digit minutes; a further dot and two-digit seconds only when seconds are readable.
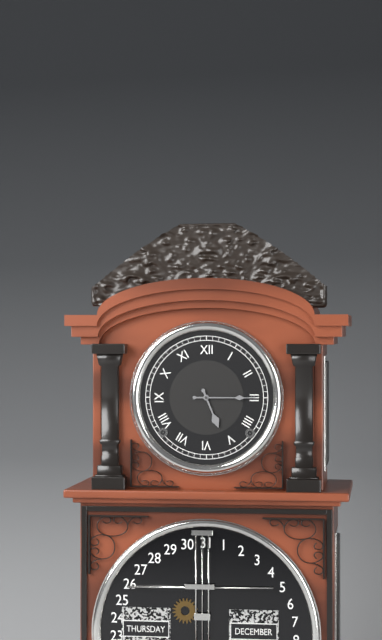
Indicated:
5.15
